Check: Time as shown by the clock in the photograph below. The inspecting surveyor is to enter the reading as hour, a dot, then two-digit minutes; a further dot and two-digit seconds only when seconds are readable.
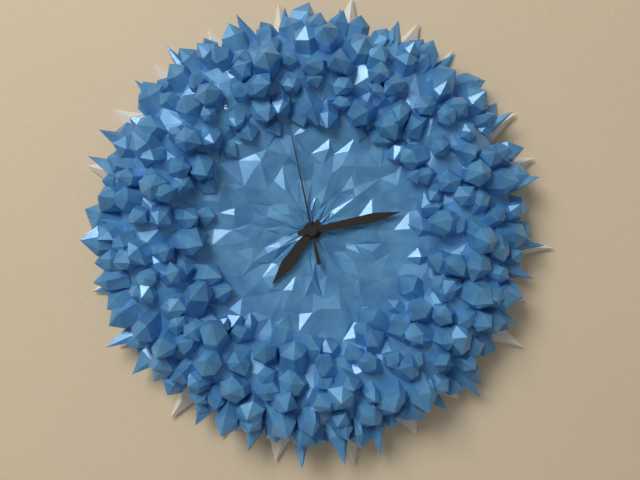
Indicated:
7.13.58
